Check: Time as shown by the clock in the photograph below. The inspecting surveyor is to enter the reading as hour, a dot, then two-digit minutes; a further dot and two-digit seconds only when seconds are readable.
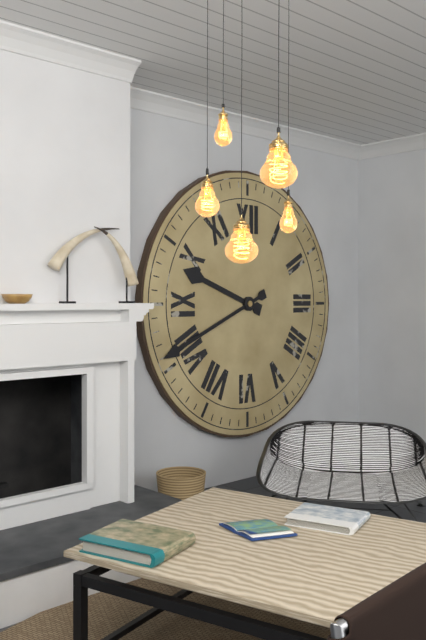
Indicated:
9.41
